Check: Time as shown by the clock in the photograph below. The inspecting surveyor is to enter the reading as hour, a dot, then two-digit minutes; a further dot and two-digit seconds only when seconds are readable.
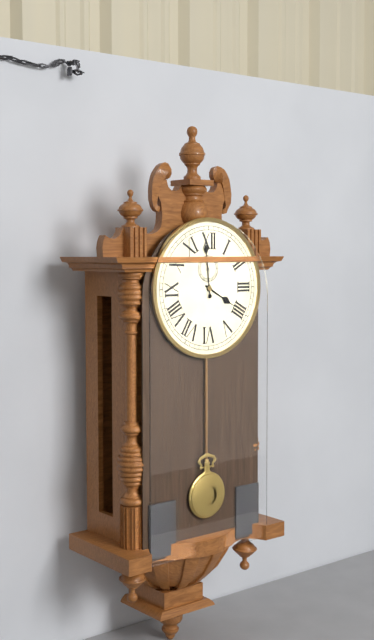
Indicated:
3.59
